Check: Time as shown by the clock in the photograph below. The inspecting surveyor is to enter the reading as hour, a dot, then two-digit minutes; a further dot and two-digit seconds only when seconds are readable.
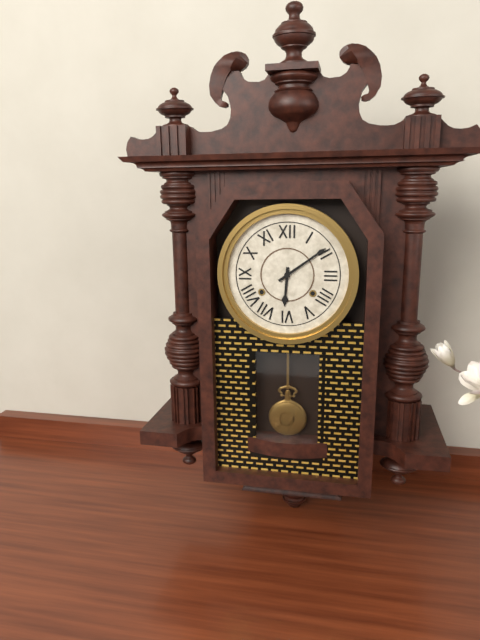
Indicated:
6.09
